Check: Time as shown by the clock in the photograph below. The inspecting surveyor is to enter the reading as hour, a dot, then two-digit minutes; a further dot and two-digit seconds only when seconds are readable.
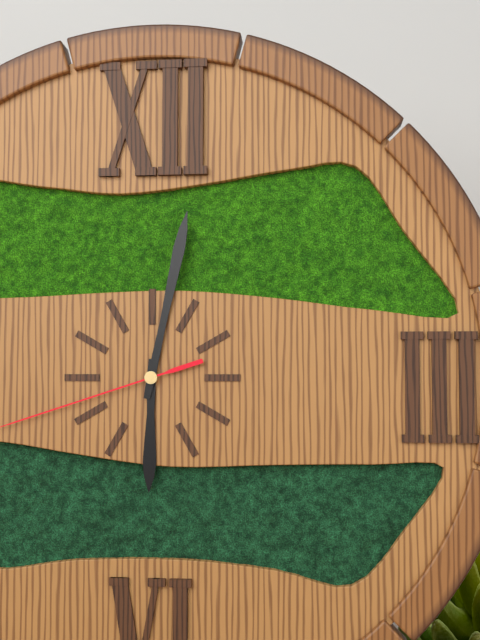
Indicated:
6.02
